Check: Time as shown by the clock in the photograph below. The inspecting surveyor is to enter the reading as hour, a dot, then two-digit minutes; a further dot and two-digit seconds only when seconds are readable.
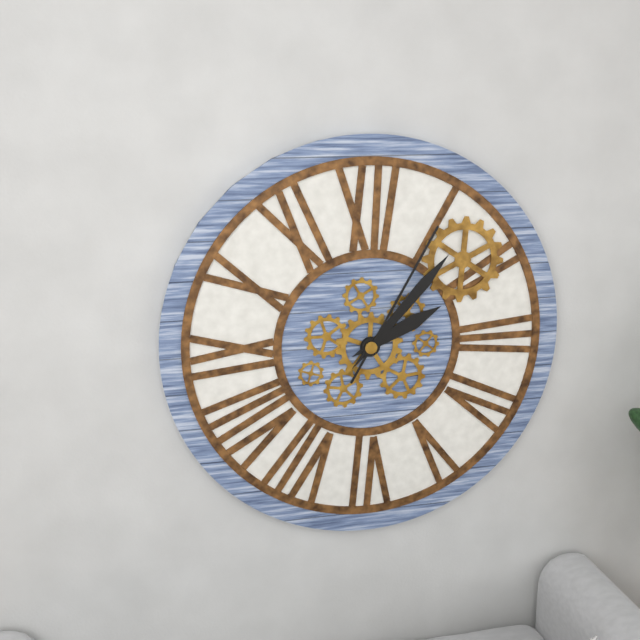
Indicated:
2.07.05
